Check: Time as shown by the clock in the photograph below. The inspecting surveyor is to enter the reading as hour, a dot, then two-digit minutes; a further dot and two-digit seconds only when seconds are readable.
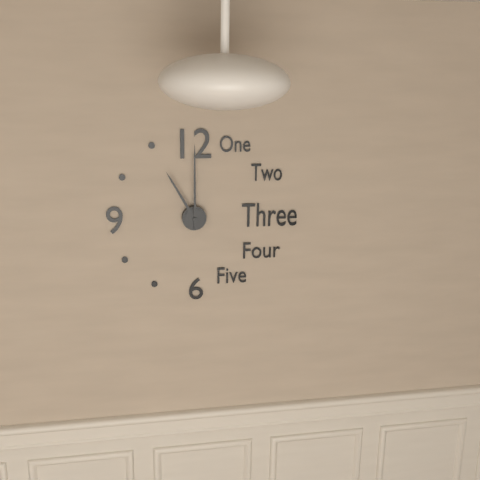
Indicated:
11.00
